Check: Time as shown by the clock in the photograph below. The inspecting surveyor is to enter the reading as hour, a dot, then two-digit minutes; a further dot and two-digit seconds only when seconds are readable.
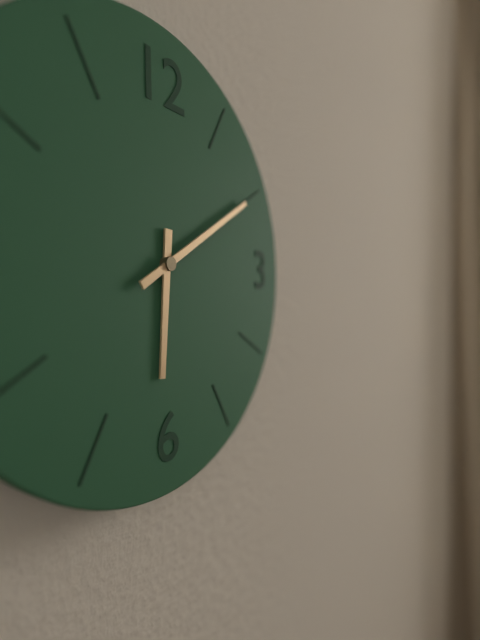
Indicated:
6.10
